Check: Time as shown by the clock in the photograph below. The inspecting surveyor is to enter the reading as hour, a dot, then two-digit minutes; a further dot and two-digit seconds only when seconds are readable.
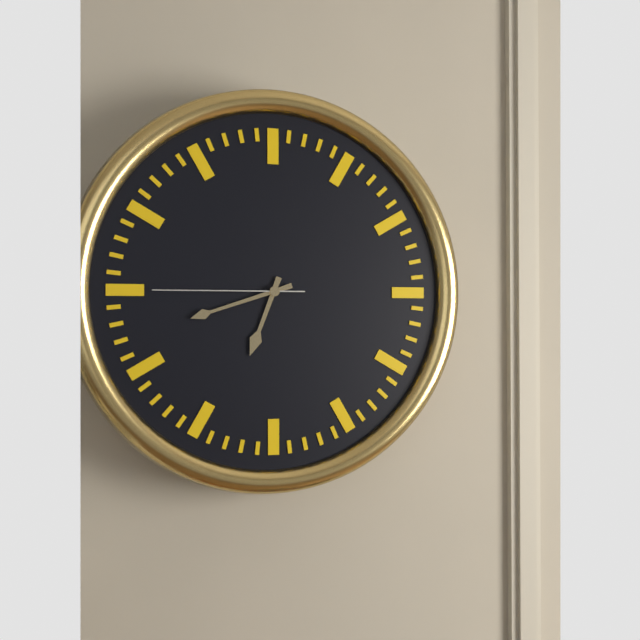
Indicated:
6.42.45
